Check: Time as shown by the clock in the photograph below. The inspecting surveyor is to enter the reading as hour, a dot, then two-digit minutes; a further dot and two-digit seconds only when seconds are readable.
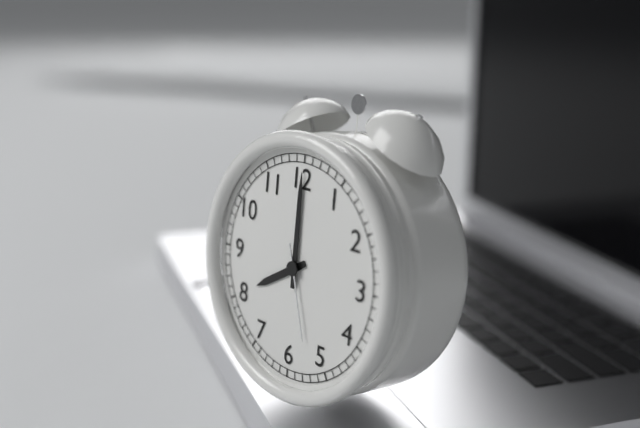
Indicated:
8.00.27
